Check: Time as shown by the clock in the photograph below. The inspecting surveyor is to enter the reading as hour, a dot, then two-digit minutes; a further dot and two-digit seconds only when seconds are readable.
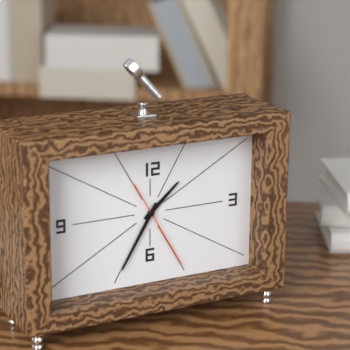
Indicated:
1.35.25
